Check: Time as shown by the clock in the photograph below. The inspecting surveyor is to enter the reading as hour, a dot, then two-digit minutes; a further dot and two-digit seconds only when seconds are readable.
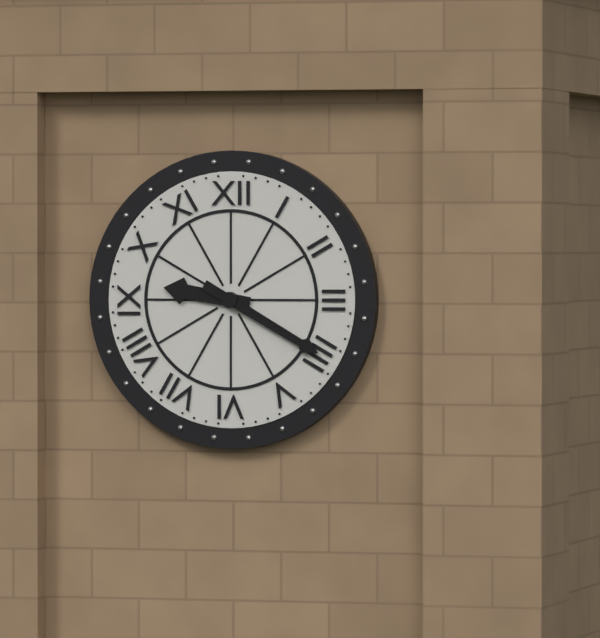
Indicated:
9.20
